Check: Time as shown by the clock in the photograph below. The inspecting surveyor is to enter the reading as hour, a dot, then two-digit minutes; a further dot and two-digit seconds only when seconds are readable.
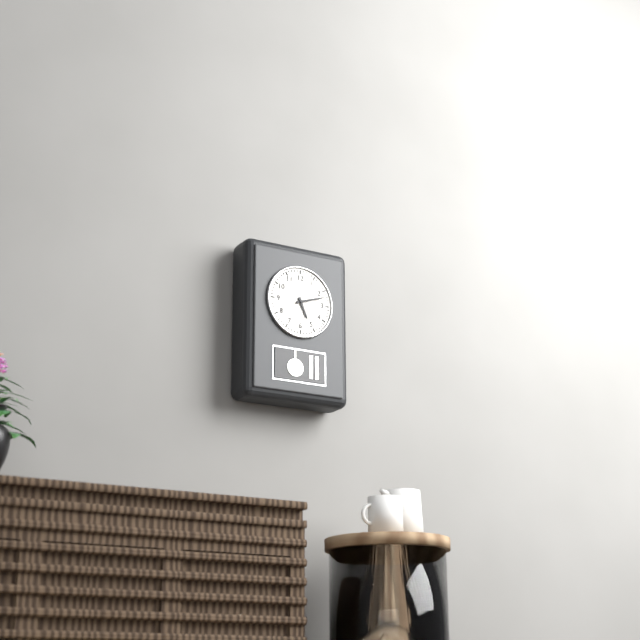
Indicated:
5.12
